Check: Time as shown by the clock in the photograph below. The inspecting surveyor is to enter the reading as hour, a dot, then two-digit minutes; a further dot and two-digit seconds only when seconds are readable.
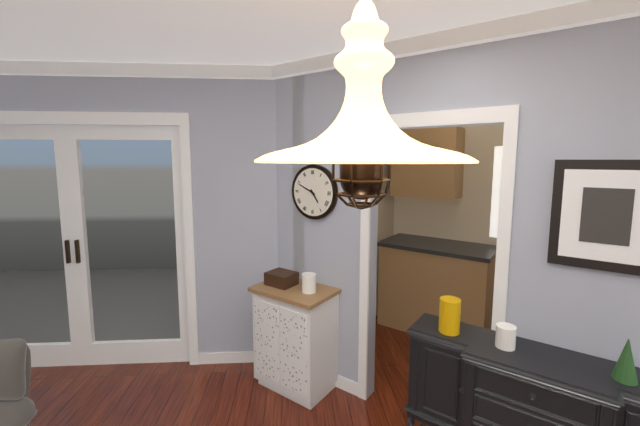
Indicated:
4.49
